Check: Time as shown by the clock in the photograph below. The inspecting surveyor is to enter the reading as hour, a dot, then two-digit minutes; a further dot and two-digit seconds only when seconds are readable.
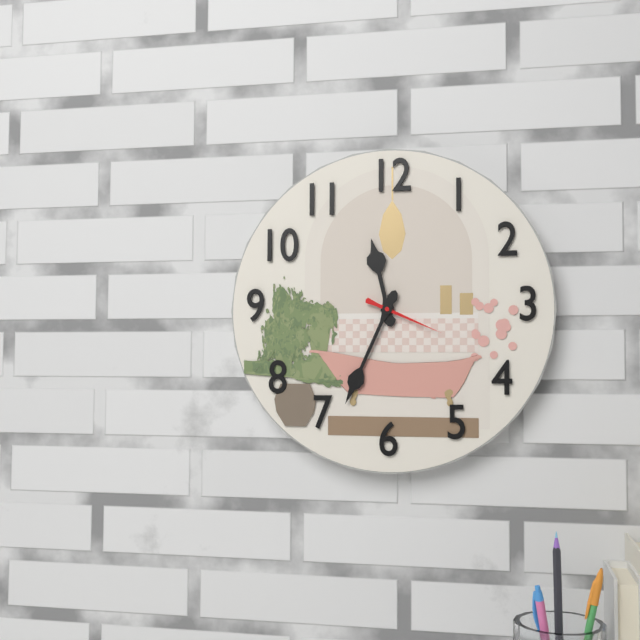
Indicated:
11.34.19
